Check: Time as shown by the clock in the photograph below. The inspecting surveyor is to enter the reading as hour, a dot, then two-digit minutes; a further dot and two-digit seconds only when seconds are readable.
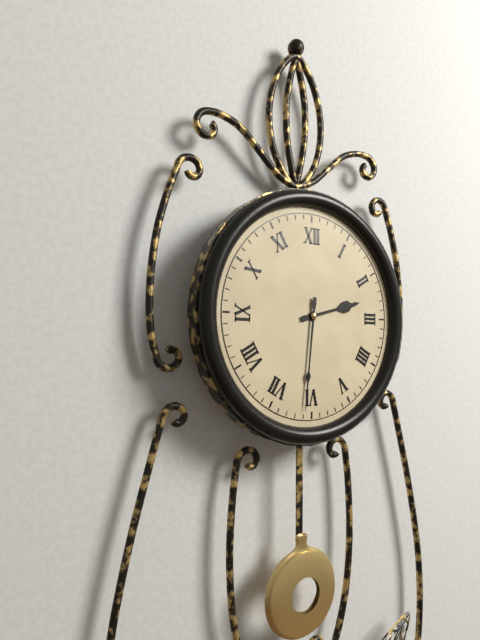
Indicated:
2.31
